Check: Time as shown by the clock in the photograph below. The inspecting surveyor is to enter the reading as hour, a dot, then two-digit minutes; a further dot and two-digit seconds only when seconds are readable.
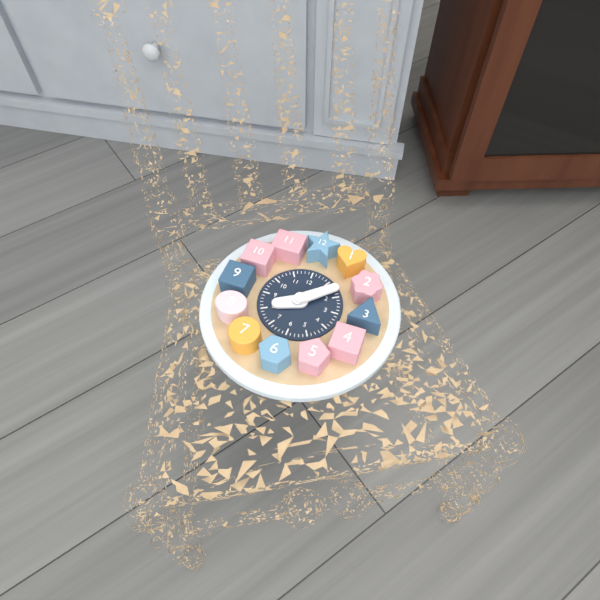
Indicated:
8.08
